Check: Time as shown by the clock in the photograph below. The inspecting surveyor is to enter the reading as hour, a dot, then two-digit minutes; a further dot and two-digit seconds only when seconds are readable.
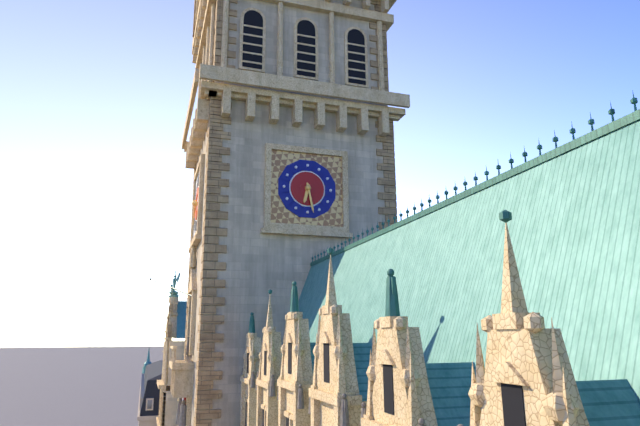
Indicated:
6.28
